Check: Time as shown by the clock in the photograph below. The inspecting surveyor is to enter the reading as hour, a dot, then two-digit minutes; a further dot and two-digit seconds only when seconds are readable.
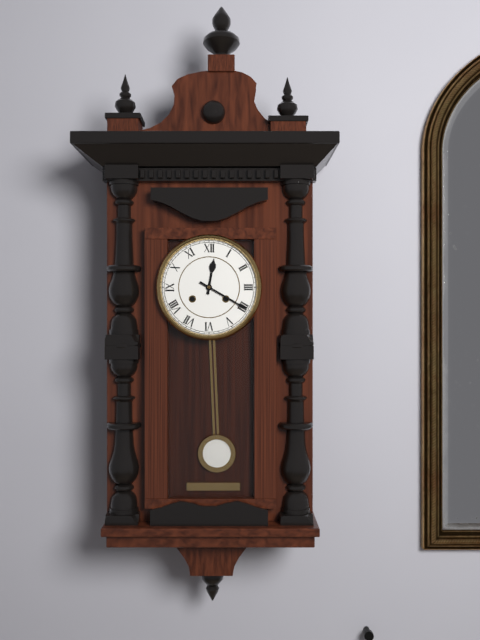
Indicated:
12.20
